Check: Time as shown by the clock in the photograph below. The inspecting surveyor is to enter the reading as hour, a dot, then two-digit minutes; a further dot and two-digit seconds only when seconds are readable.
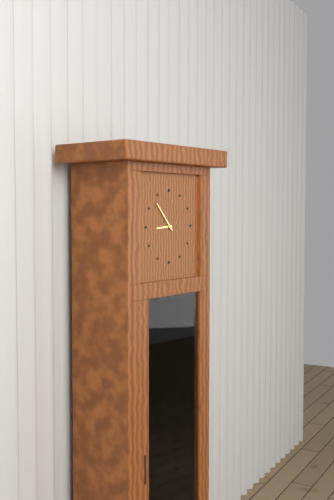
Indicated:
8.53
